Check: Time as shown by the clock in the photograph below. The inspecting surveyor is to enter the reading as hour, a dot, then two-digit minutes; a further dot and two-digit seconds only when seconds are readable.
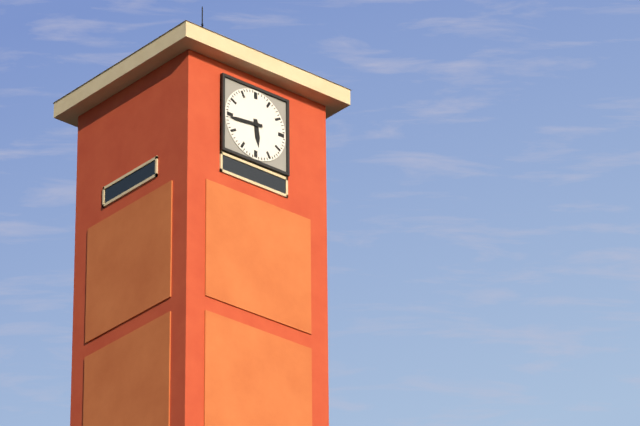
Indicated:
5.44
